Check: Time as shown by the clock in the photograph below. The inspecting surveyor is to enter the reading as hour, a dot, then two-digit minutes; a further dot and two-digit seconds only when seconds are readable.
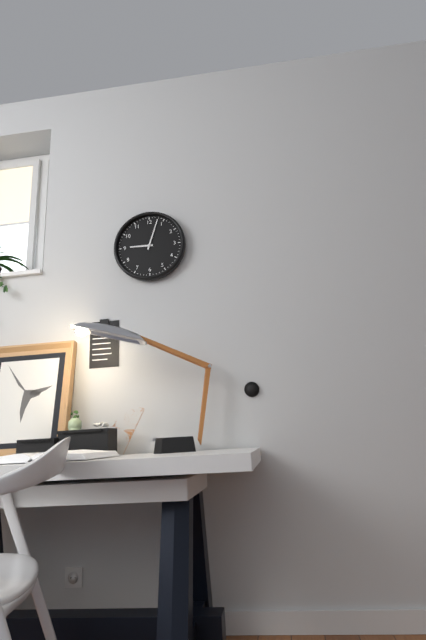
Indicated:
9.03
